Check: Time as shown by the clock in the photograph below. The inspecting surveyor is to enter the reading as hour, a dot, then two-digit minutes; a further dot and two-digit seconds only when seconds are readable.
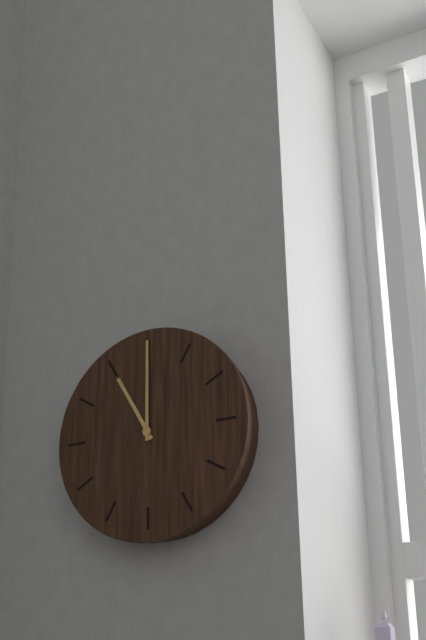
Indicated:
11.00
